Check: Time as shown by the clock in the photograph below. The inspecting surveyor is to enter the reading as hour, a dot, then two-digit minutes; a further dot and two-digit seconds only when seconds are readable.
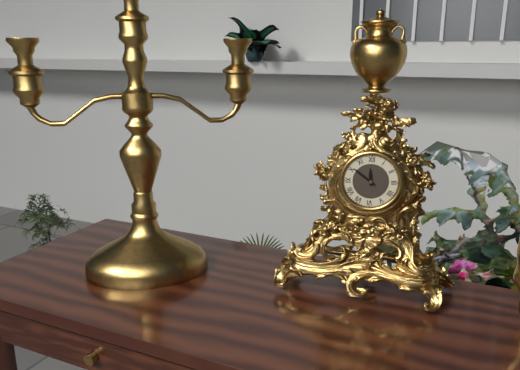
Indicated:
11.51
